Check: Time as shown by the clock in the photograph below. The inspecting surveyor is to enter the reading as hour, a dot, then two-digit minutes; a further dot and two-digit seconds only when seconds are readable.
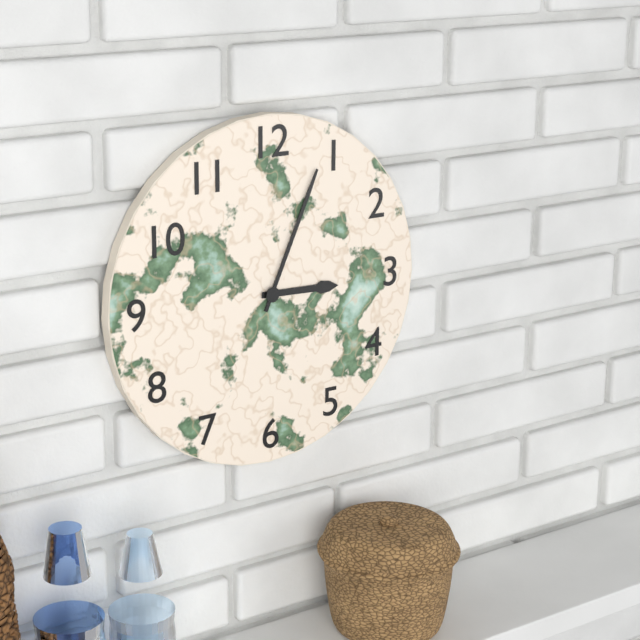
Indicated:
3.04
